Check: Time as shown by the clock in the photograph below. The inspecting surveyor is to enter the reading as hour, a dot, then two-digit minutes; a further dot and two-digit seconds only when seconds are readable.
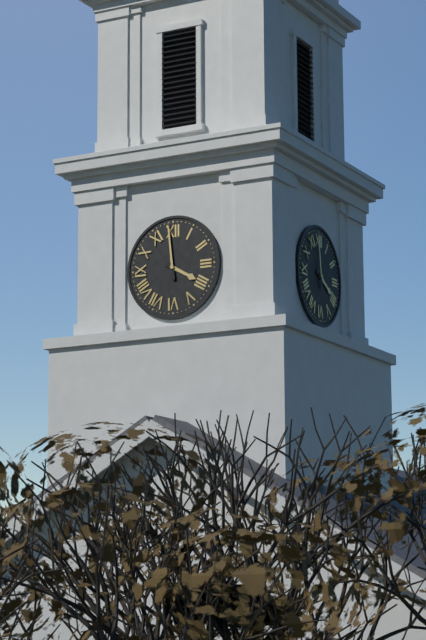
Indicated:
3.59
